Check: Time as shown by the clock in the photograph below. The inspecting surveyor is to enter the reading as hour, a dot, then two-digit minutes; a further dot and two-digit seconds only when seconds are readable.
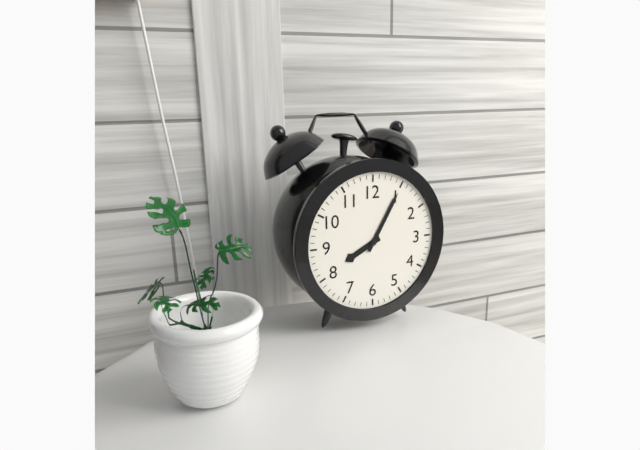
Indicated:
8.05
